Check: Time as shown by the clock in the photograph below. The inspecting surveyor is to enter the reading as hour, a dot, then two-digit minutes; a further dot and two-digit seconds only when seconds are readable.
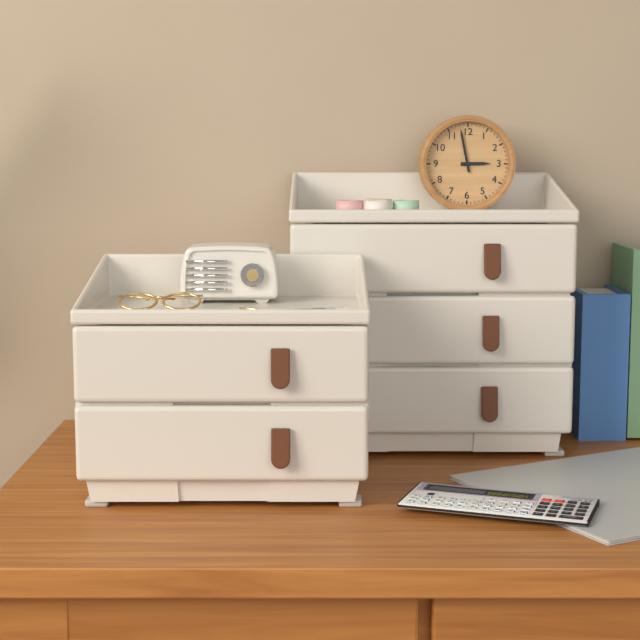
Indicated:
2.58
